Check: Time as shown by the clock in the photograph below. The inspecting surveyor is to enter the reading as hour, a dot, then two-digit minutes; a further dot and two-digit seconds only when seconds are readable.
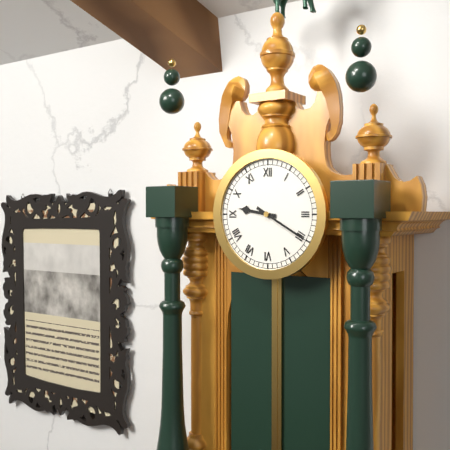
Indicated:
9.20
